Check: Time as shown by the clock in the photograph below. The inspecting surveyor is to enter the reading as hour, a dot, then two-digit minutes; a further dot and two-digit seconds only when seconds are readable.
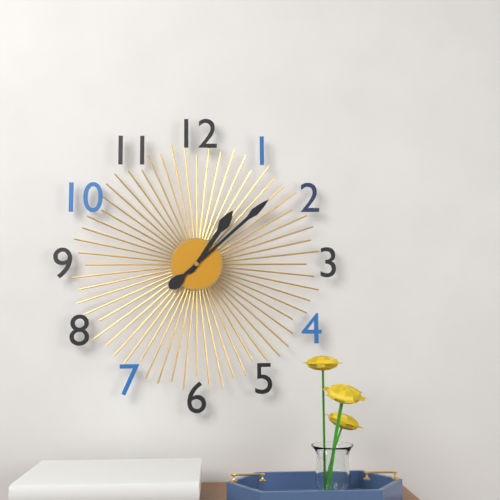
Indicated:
1.08
